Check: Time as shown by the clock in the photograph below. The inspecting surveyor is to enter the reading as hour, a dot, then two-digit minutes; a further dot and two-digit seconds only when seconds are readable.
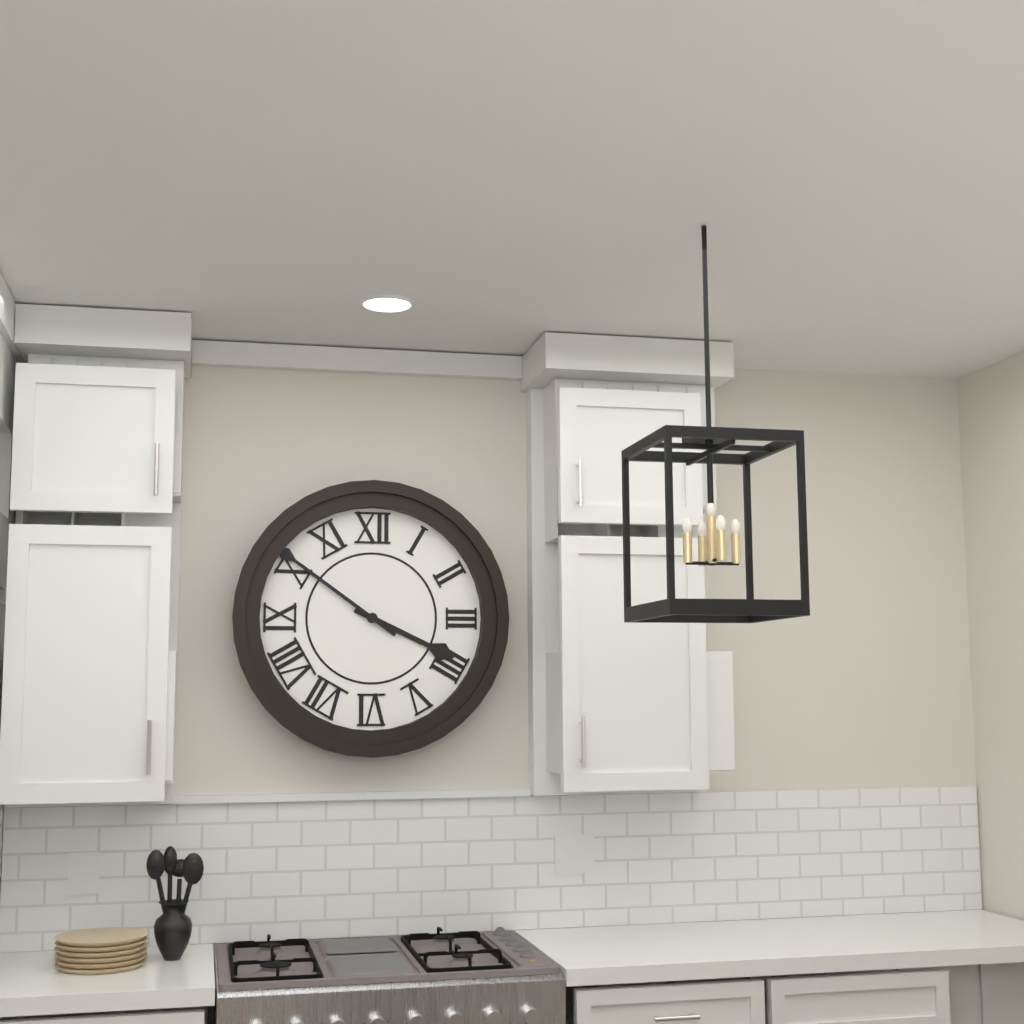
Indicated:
3.51
